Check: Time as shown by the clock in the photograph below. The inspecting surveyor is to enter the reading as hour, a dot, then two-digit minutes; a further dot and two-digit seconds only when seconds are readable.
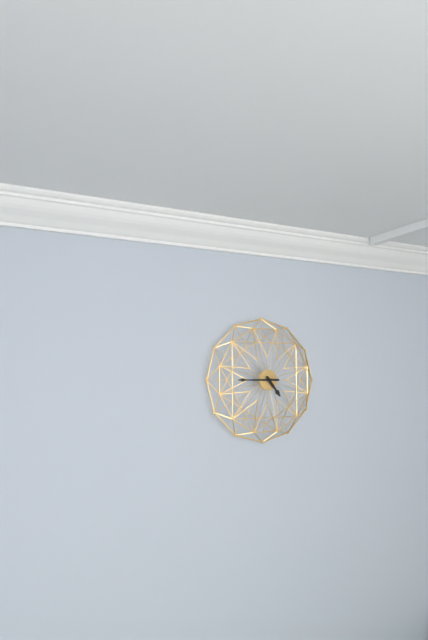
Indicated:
4.45
